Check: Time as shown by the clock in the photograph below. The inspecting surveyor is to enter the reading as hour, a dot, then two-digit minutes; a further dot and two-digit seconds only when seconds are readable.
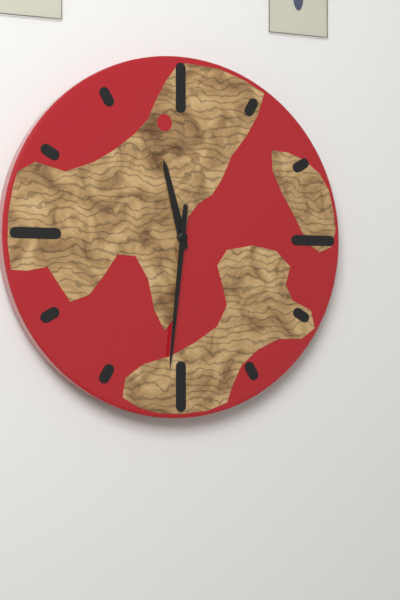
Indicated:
11.31
